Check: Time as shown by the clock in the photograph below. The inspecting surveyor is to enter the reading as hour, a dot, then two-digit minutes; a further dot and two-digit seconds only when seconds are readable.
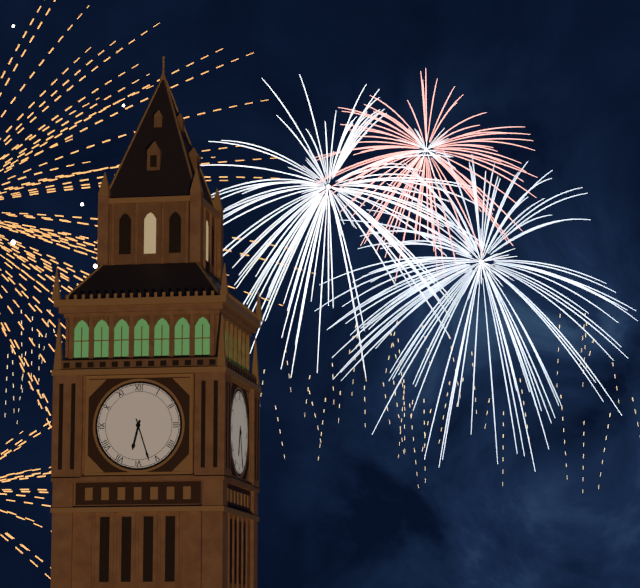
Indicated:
6.27
